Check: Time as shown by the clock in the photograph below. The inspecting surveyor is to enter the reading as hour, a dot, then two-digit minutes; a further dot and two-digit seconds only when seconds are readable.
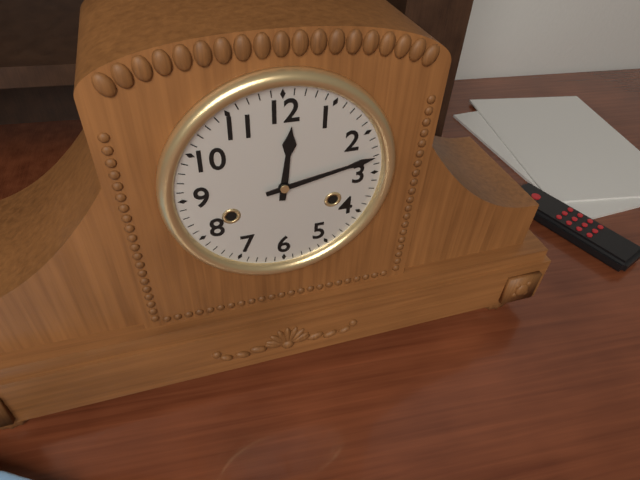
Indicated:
12.13
